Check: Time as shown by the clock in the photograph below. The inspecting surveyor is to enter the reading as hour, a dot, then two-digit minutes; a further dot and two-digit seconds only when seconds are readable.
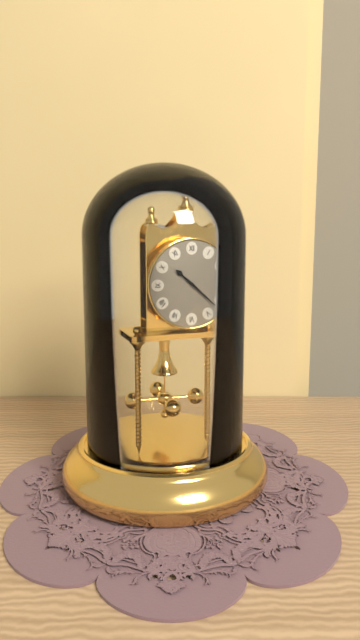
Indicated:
10.22
